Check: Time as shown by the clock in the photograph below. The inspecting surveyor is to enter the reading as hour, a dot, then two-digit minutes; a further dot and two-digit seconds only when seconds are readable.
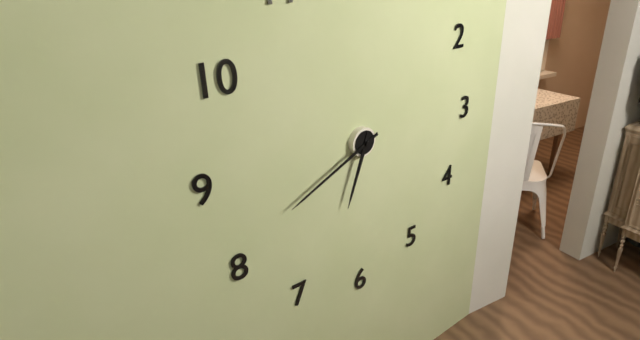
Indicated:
6.41
